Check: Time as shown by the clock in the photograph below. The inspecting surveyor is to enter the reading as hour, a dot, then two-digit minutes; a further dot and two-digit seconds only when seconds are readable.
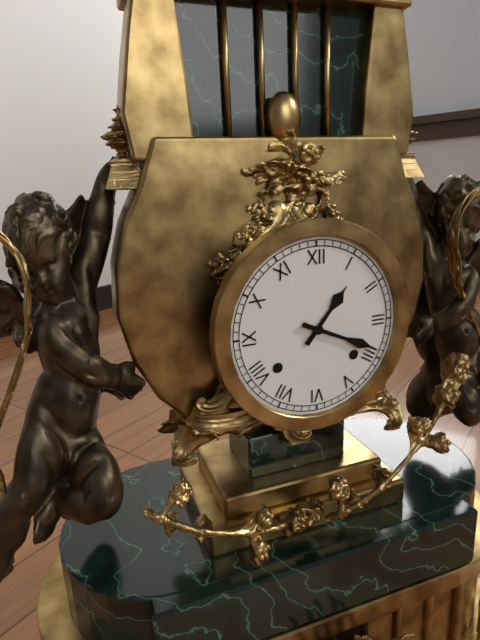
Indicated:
1.19
